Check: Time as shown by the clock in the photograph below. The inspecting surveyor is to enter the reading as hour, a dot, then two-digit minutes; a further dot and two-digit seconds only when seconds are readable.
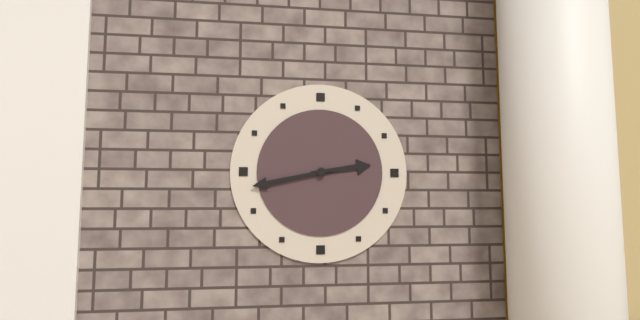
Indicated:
2.43
